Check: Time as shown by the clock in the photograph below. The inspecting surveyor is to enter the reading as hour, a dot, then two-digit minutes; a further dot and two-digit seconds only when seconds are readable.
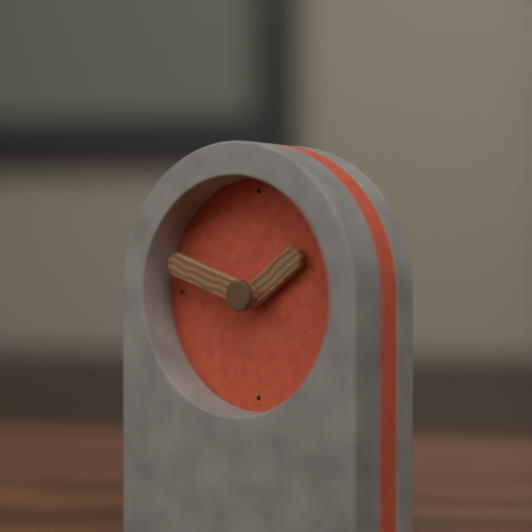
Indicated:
1.48
